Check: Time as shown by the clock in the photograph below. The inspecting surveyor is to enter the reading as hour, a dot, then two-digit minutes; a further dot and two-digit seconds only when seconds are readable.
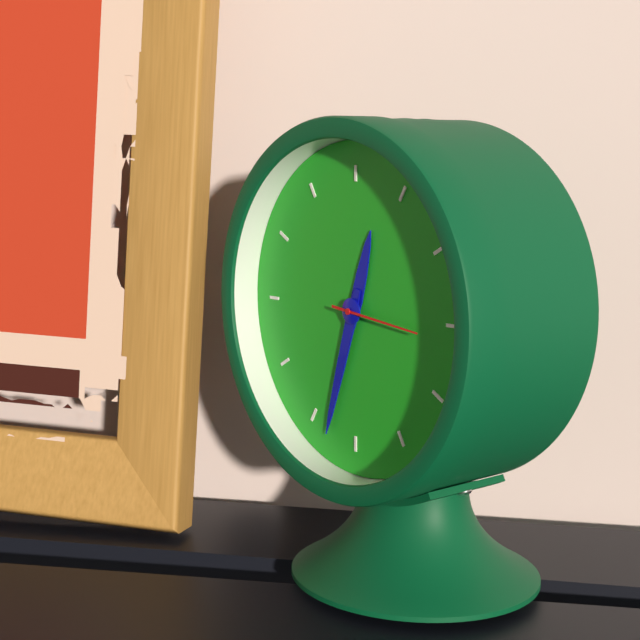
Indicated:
12.33.16
